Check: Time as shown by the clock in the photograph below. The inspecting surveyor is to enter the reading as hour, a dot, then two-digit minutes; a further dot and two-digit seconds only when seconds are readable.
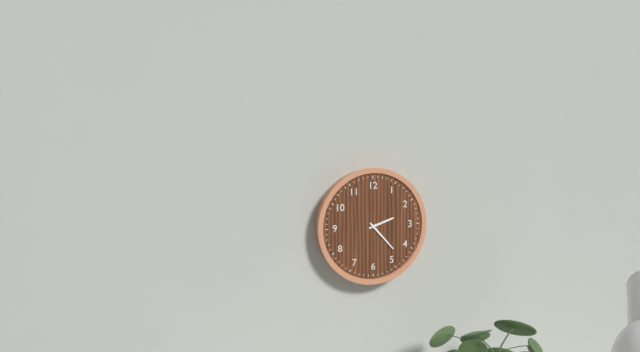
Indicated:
2.23
